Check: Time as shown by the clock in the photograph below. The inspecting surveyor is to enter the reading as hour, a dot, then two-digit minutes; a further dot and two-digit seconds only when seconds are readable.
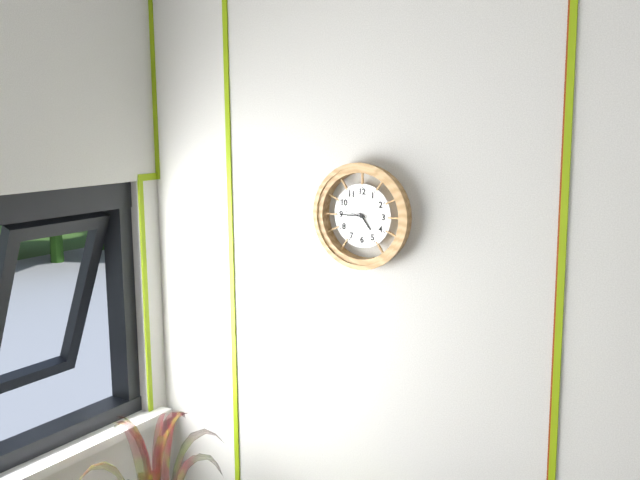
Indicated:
4.45
